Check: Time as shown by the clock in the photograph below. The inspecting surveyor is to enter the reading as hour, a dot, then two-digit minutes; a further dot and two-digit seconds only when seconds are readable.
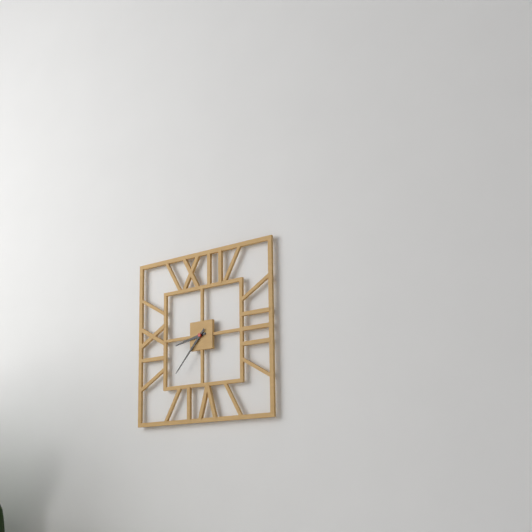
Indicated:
8.37
